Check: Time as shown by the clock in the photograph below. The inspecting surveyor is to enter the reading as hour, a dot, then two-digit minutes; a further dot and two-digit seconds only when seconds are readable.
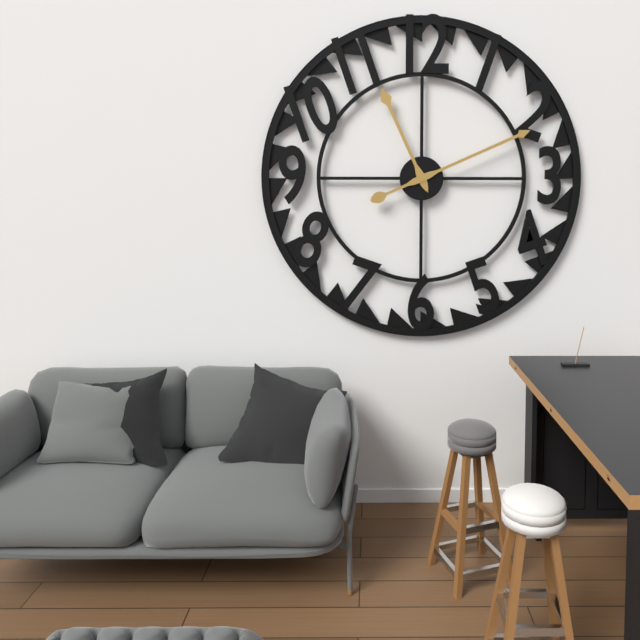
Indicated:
11.11
